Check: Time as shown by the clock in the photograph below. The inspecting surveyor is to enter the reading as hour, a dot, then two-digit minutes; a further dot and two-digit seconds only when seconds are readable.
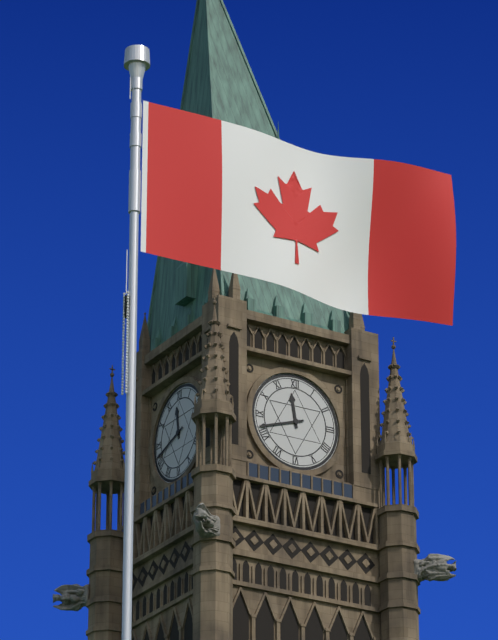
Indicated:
11.42
